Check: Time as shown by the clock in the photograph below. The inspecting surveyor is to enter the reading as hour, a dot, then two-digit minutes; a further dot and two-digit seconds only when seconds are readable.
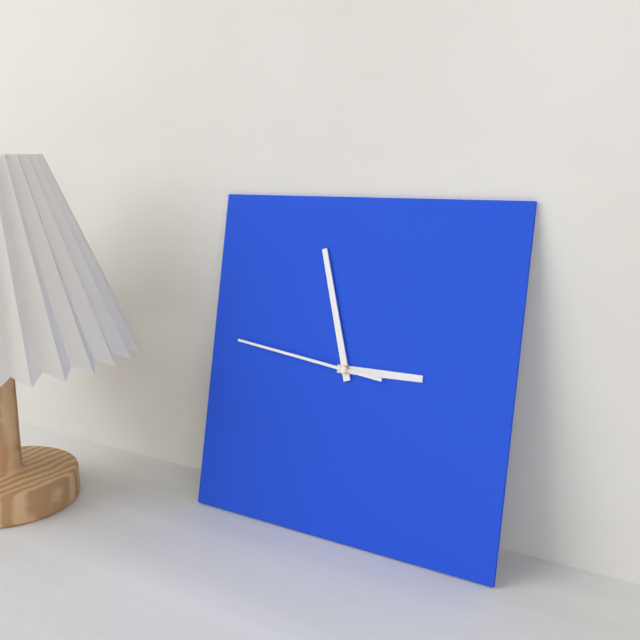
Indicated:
2.57.46
